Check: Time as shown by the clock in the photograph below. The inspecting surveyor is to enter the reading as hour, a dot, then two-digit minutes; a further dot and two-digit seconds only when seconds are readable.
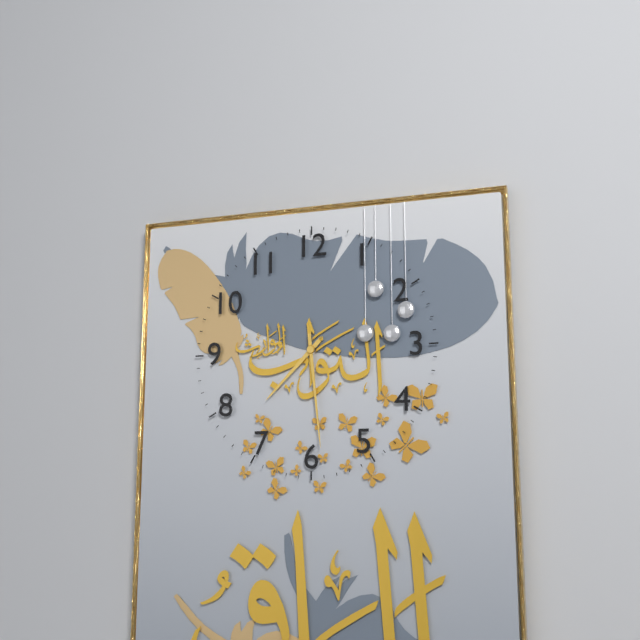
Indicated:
7.29
